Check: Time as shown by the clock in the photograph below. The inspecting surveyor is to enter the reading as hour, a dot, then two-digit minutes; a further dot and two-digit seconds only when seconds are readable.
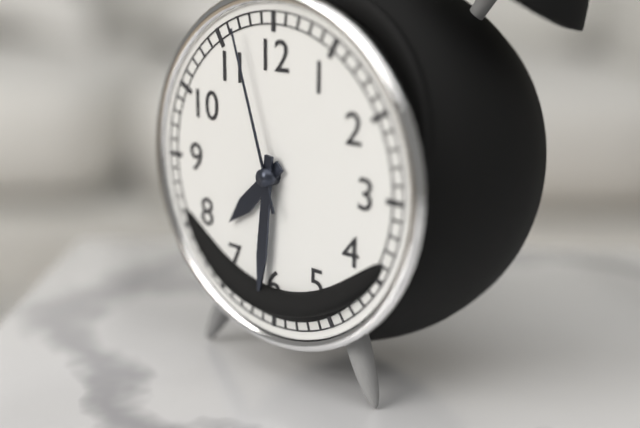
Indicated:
7.31.57
